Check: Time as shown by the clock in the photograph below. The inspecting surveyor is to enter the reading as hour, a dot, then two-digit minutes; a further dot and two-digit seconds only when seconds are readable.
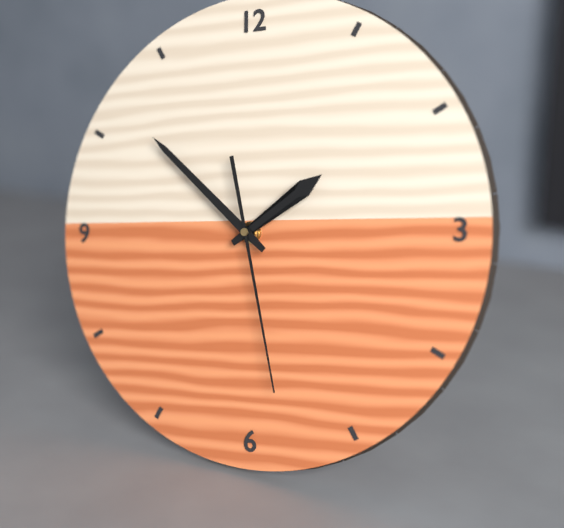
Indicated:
1.52.28
